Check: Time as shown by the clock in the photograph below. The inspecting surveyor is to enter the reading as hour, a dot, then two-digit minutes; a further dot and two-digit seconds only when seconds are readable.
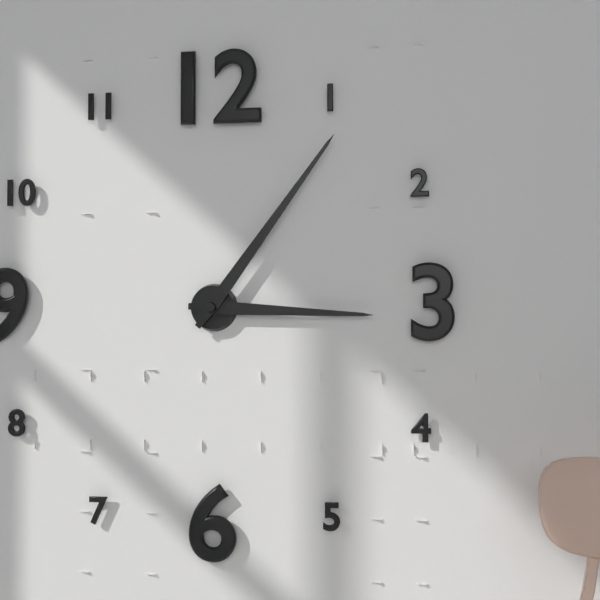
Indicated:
3.06
